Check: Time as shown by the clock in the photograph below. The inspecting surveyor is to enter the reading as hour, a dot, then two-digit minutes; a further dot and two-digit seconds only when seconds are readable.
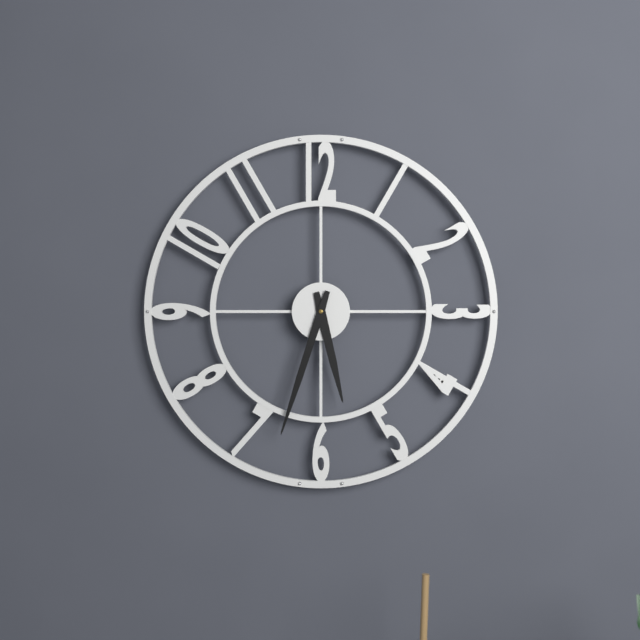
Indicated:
5.33
